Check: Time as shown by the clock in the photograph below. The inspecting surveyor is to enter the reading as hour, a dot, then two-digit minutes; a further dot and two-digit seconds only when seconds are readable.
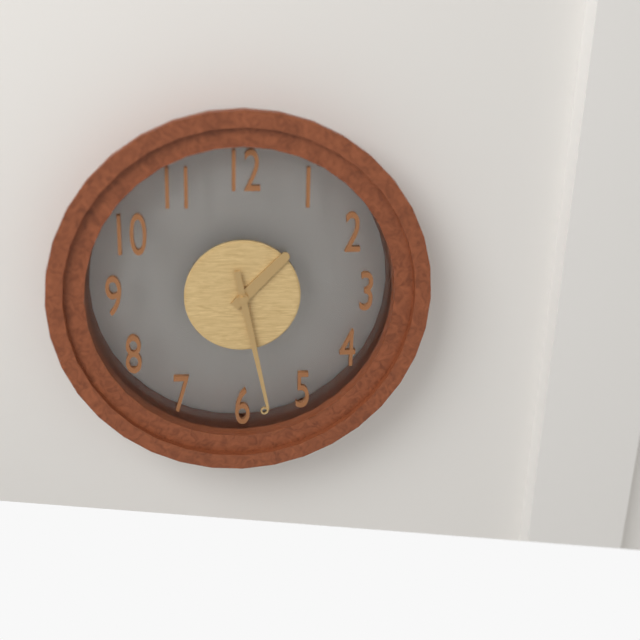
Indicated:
1.28
